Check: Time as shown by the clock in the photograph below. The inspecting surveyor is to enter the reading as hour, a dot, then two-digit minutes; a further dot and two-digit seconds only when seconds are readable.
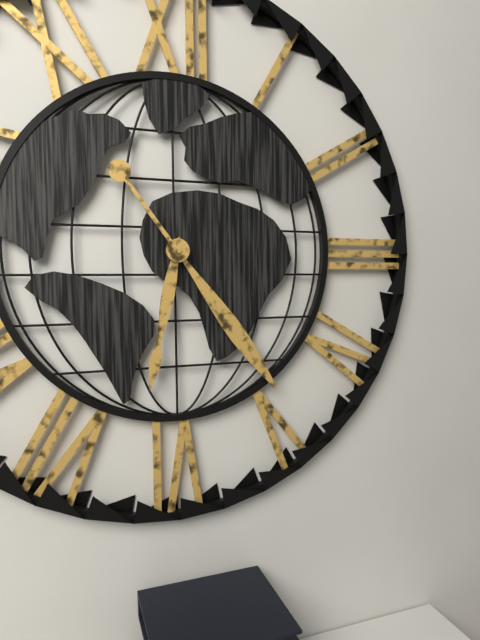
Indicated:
6.24
